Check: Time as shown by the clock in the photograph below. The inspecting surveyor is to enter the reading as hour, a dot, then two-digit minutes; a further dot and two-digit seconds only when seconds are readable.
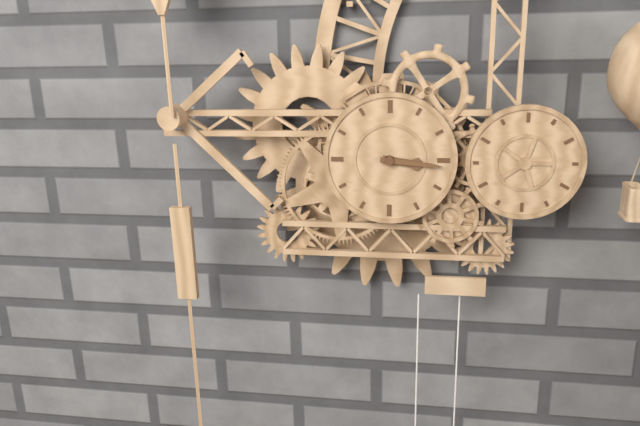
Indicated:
3.16
